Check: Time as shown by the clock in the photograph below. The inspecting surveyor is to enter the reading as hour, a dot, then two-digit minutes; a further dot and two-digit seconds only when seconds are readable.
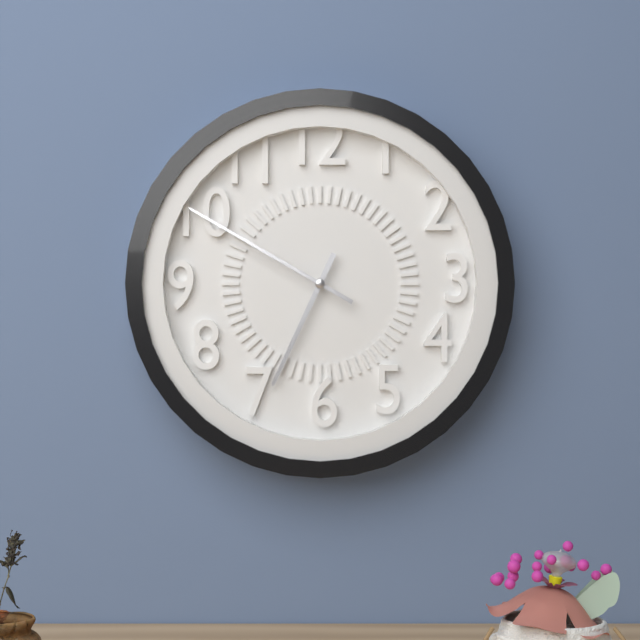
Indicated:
6.50
